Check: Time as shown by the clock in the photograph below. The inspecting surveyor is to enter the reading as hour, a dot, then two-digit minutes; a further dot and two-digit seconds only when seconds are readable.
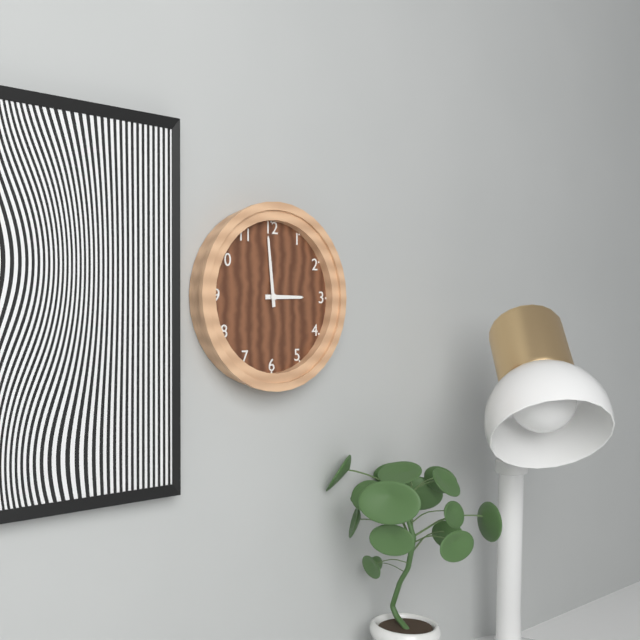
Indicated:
2.59
